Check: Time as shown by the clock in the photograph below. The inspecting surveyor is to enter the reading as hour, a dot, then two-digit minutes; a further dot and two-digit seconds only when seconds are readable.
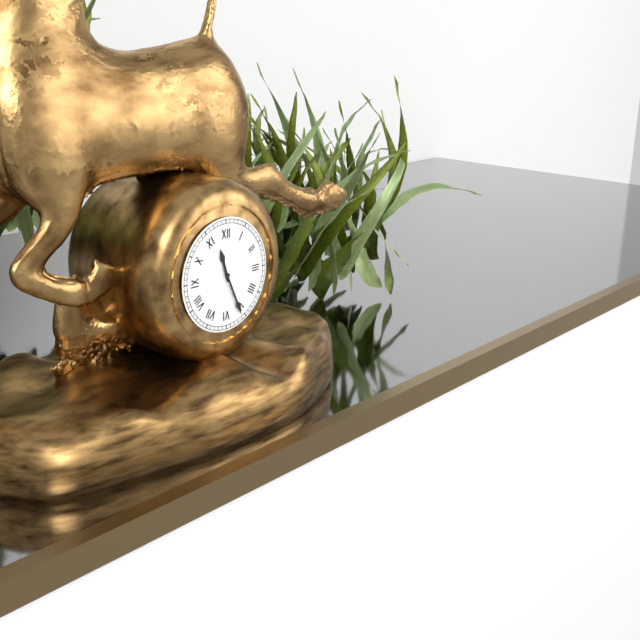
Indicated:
11.26
